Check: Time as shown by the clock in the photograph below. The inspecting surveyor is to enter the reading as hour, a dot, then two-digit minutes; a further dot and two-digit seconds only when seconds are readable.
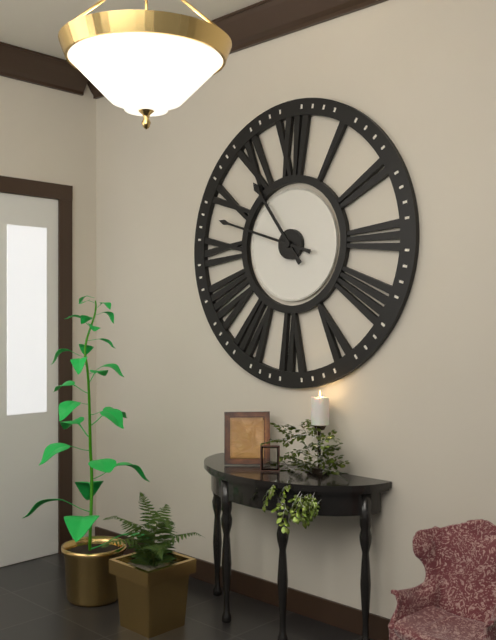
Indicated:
10.48
